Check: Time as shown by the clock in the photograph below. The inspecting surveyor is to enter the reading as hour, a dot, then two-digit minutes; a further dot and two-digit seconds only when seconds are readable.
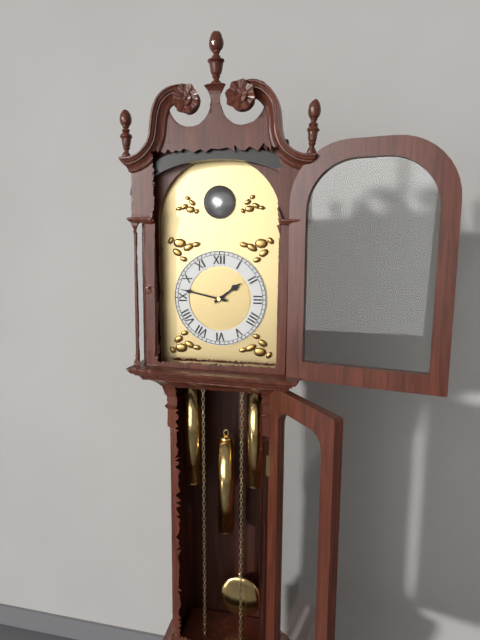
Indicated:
1.47
